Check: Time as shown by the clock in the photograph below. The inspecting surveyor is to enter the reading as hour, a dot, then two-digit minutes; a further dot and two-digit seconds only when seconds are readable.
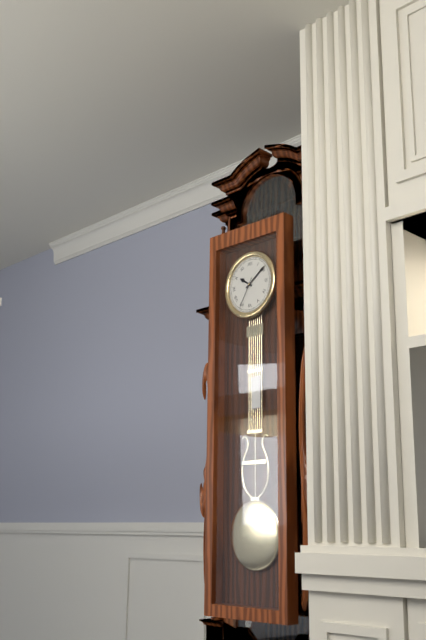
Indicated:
10.09
